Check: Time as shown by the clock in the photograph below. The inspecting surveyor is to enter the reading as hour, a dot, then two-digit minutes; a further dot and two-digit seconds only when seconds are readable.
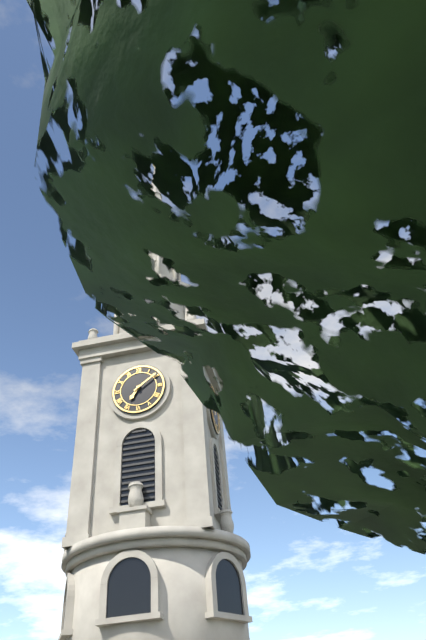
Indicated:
7.09
